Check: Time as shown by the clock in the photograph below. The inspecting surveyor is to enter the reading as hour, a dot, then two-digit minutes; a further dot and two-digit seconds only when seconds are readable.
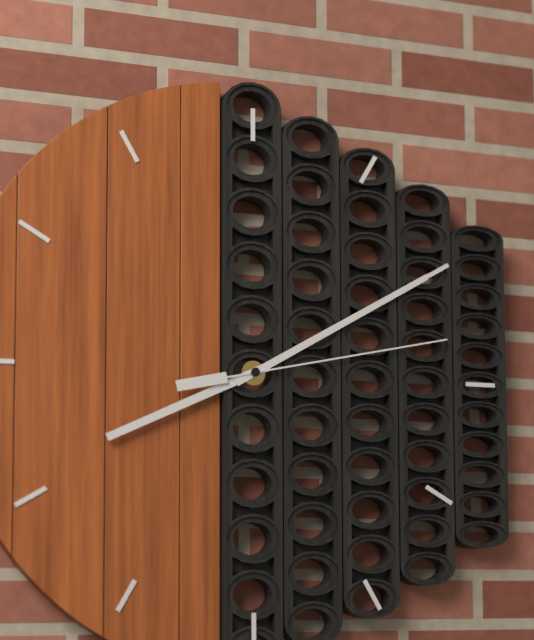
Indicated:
8.10.13
